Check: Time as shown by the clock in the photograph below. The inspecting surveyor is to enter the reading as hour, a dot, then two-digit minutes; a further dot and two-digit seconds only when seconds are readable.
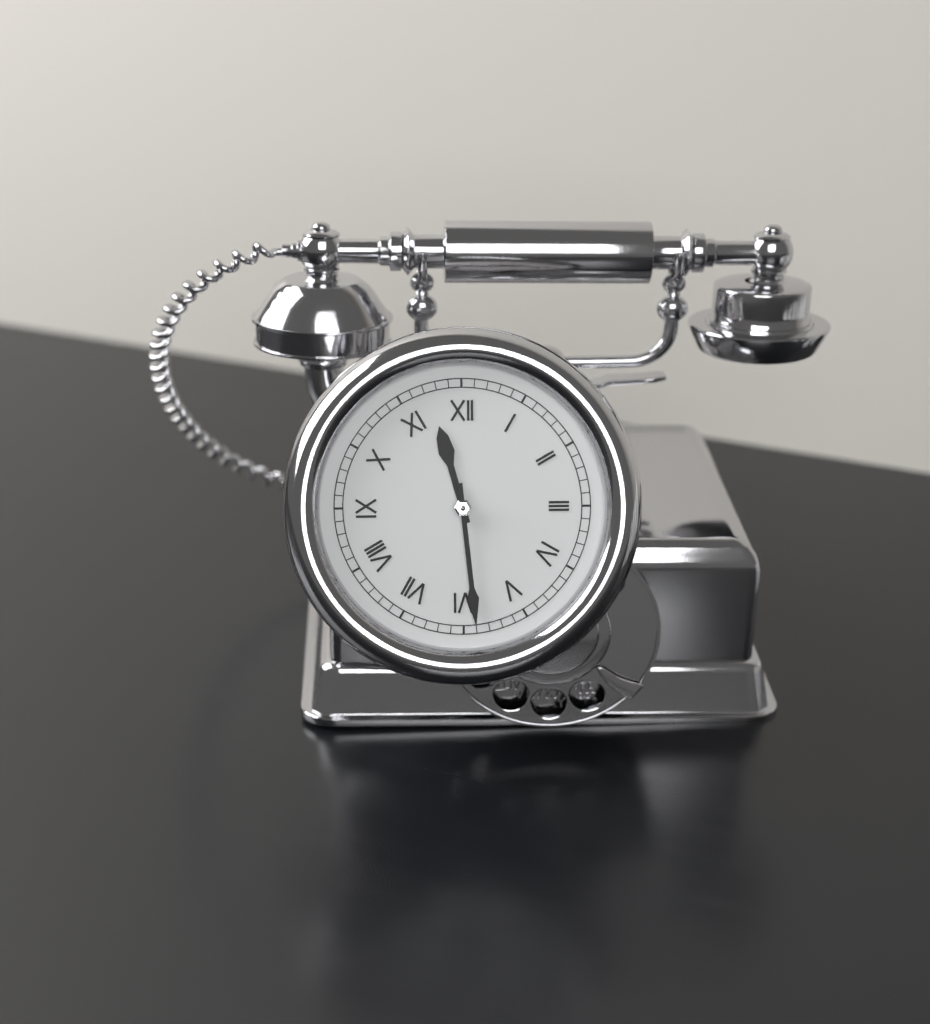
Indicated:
11.29
